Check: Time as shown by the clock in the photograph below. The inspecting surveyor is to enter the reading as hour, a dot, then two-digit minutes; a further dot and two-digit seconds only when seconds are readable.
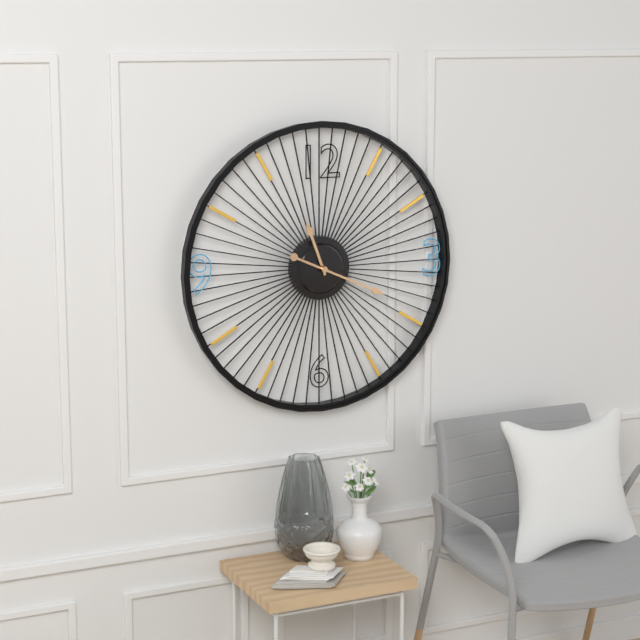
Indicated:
11.19
